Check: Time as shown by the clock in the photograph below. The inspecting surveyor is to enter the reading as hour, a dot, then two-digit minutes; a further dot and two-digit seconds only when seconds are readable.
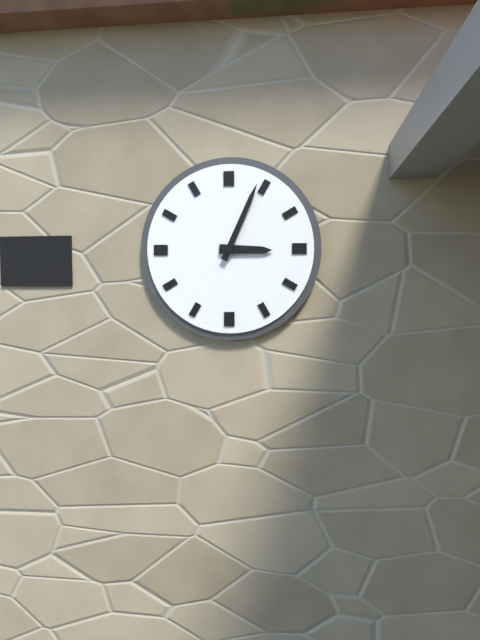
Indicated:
3.04
